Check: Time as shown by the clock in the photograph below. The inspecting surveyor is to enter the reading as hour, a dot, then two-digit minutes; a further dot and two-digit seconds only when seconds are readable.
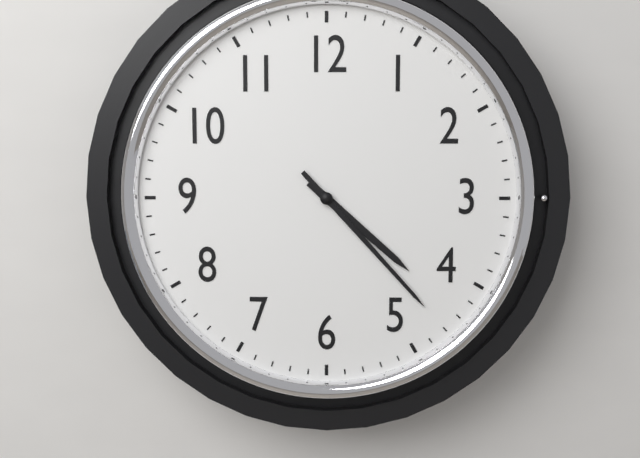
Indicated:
4.23
